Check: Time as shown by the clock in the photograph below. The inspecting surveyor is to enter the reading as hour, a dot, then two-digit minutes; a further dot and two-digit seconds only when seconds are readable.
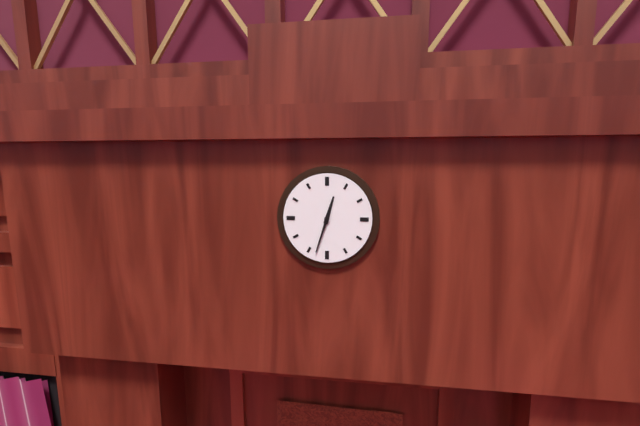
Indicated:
12.33
